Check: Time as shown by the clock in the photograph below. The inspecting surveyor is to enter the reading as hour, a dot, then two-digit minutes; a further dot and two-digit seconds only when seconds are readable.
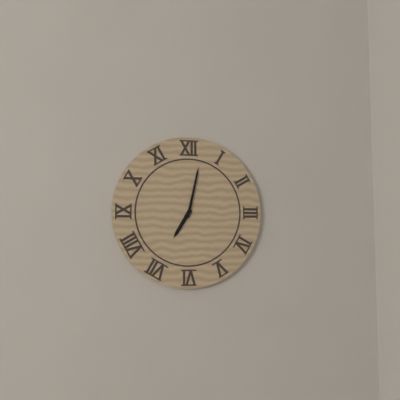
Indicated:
7.02
